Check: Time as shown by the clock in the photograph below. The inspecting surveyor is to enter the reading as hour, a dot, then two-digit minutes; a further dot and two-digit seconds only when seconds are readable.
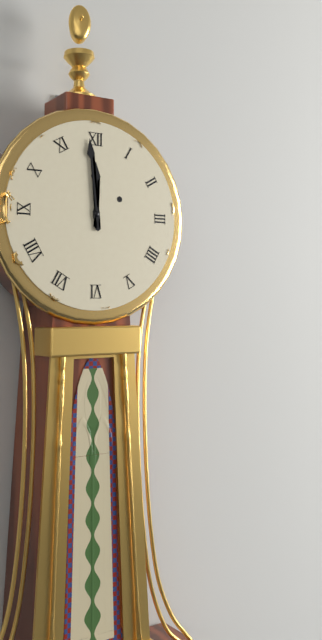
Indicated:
11.59
